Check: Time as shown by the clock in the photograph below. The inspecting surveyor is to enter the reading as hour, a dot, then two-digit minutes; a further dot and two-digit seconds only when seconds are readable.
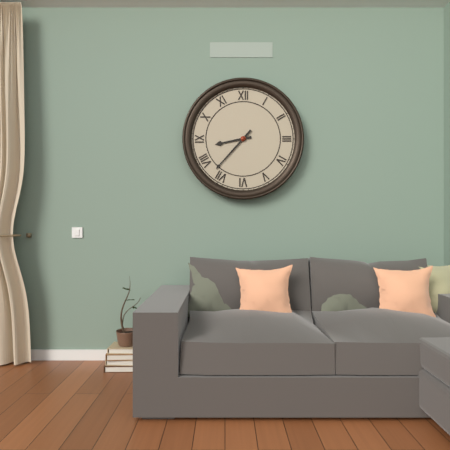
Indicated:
8.37
